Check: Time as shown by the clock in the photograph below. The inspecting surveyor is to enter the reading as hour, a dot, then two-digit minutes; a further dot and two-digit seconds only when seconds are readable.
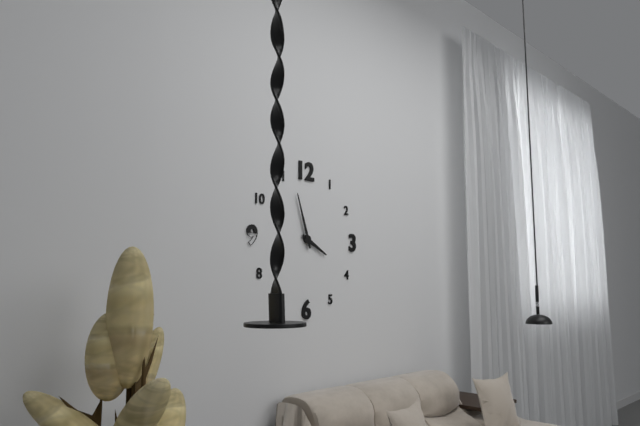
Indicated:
3.57
